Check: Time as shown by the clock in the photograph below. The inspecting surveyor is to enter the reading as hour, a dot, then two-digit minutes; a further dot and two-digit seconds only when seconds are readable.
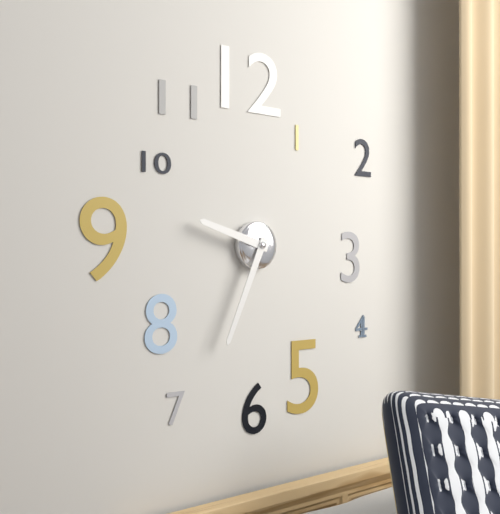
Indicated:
9.34
